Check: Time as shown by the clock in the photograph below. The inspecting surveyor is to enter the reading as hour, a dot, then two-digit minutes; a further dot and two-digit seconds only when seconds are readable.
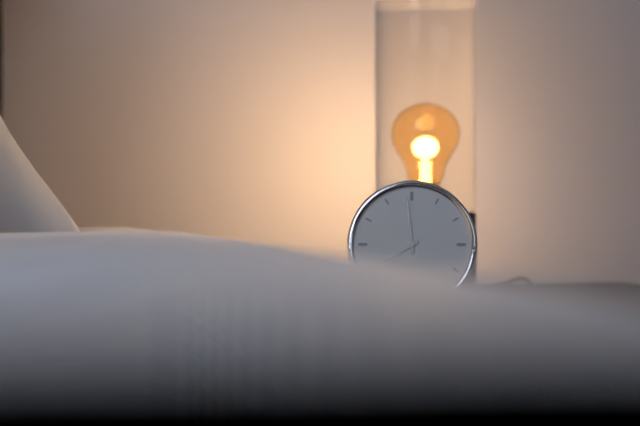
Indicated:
7.59
